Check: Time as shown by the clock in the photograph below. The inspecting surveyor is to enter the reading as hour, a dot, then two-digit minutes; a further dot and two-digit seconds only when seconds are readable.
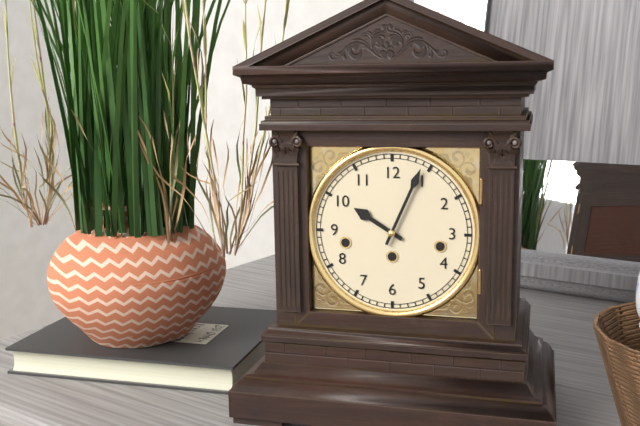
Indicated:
10.04
